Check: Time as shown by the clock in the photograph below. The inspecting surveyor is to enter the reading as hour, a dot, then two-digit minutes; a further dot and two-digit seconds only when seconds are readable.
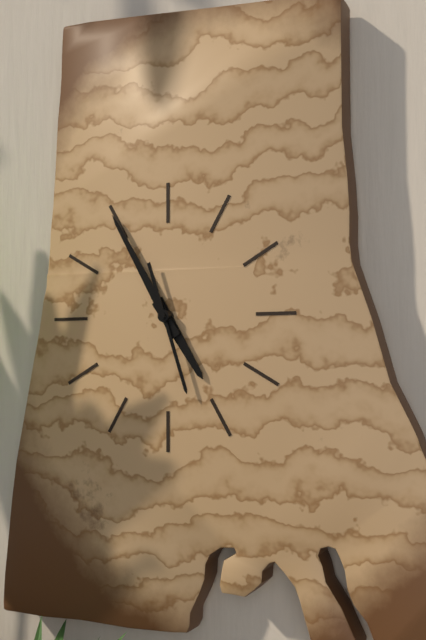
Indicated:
4.55.27
